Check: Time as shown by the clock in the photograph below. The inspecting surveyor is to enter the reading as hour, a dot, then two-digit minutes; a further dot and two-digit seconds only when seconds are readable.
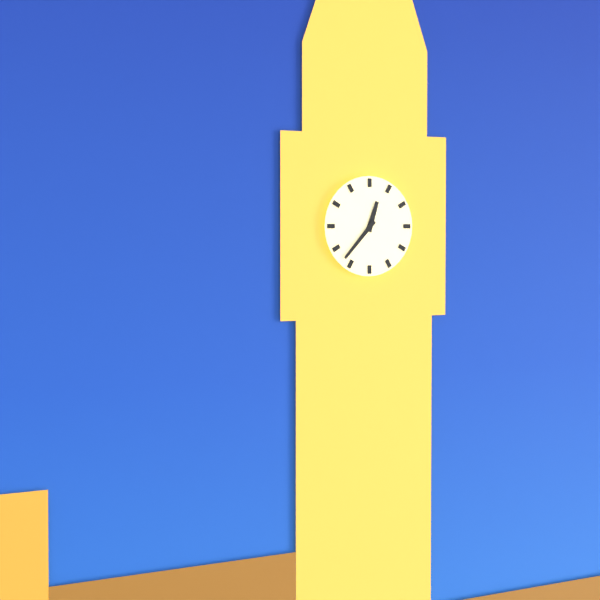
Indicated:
12.37
